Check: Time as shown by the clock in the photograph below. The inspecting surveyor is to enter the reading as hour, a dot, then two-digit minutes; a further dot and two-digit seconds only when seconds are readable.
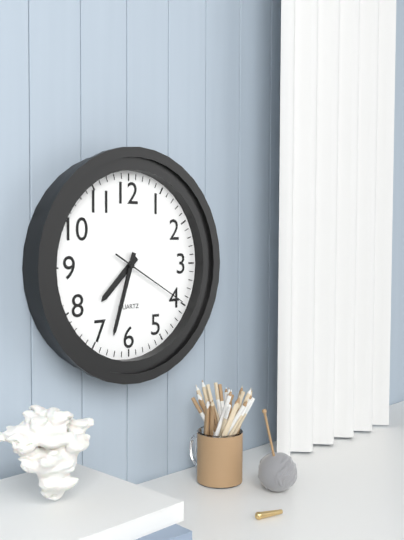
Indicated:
7.33.20
